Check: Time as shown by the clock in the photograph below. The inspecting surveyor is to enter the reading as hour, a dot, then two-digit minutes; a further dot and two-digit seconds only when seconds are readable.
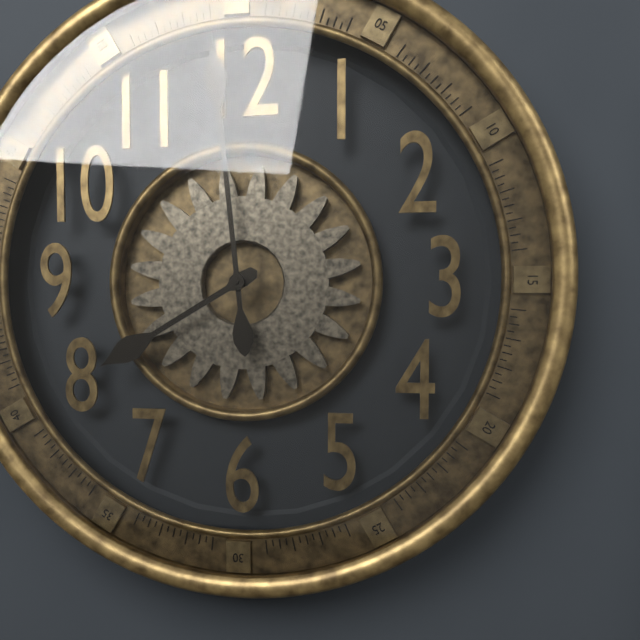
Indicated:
7.59
